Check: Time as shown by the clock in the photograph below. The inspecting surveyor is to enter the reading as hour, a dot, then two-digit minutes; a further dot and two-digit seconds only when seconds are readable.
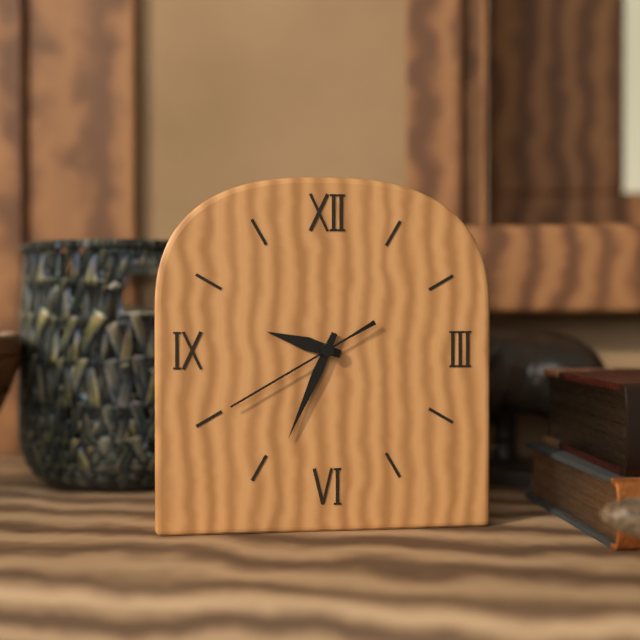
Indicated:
9.34.40
